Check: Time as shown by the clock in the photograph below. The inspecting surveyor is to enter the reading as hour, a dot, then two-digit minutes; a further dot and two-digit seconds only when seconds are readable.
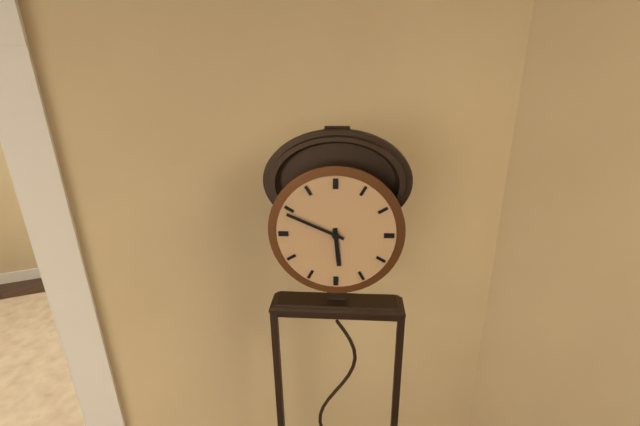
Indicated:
5.49
